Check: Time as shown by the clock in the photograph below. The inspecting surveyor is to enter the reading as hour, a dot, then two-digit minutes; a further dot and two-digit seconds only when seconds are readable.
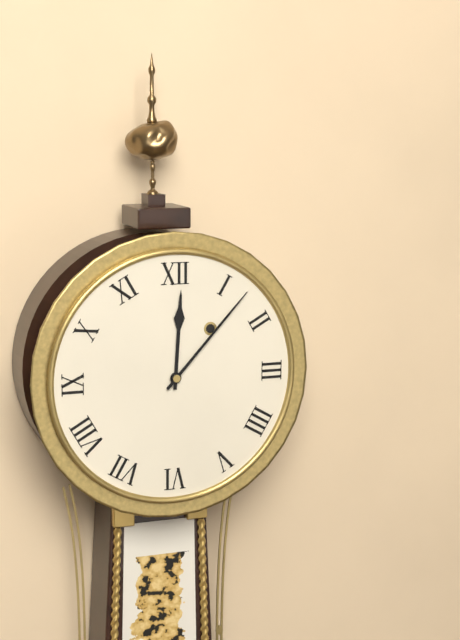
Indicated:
12.07
